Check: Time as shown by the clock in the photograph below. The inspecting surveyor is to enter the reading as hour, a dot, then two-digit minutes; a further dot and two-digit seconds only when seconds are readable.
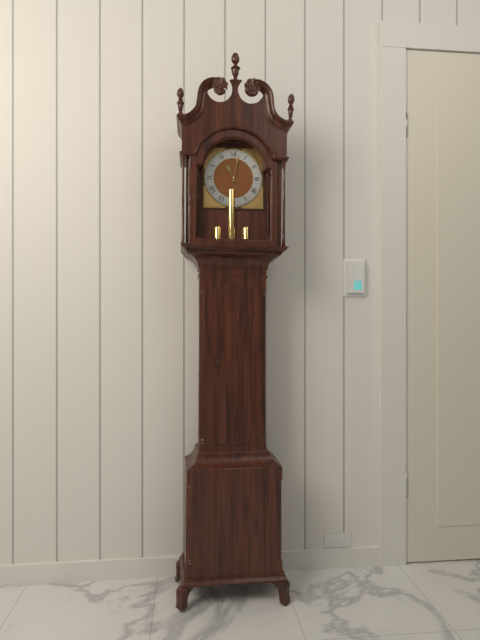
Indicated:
11.02
